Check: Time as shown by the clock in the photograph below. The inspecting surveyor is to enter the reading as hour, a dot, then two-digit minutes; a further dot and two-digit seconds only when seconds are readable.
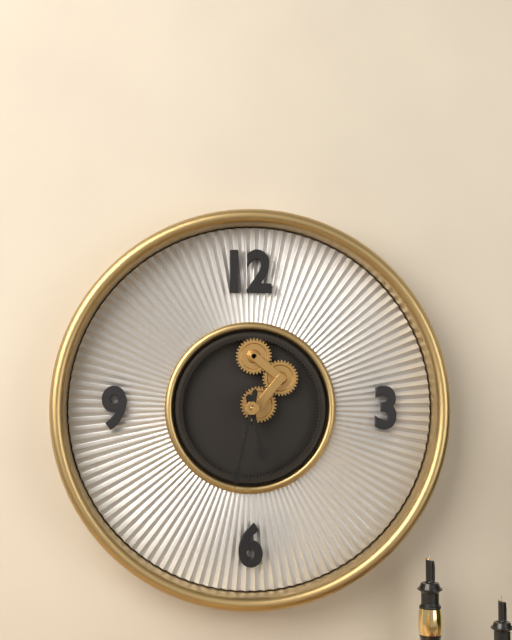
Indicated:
5.32
